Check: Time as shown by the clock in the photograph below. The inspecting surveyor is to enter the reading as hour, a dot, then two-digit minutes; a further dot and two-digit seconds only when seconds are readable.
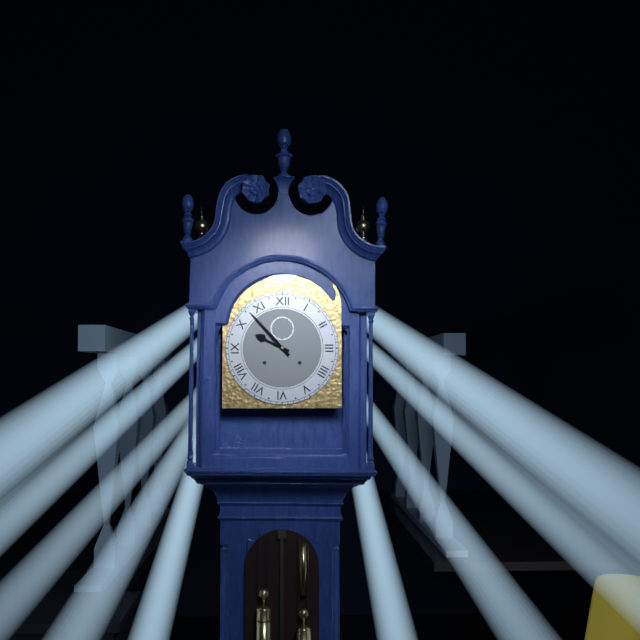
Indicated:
9.53
